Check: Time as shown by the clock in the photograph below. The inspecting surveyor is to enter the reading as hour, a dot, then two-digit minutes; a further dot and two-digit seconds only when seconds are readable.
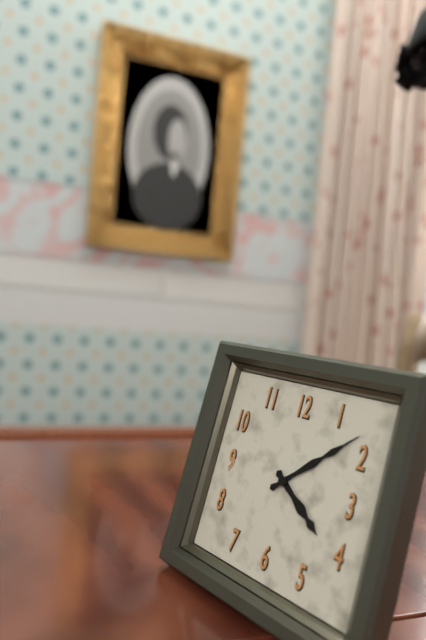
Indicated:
4.08
